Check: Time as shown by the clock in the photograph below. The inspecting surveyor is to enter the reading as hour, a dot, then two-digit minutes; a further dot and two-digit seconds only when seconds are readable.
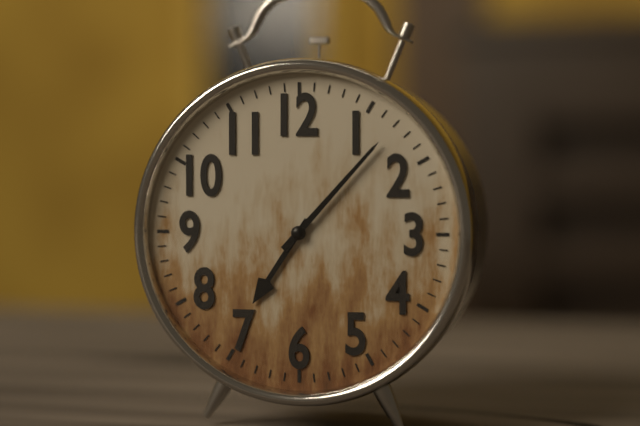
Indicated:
7.07
